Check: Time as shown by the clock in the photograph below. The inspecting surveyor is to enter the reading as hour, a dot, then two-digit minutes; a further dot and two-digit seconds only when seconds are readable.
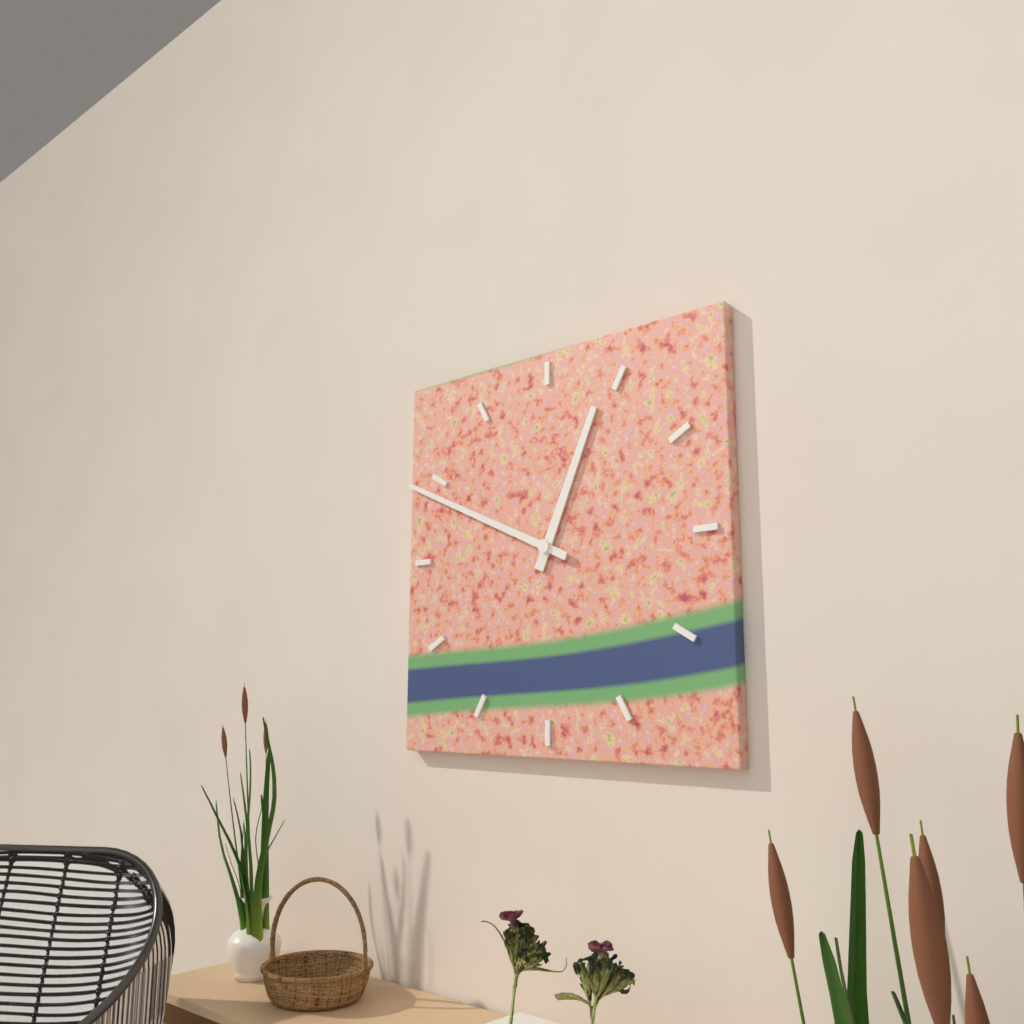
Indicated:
12.49
